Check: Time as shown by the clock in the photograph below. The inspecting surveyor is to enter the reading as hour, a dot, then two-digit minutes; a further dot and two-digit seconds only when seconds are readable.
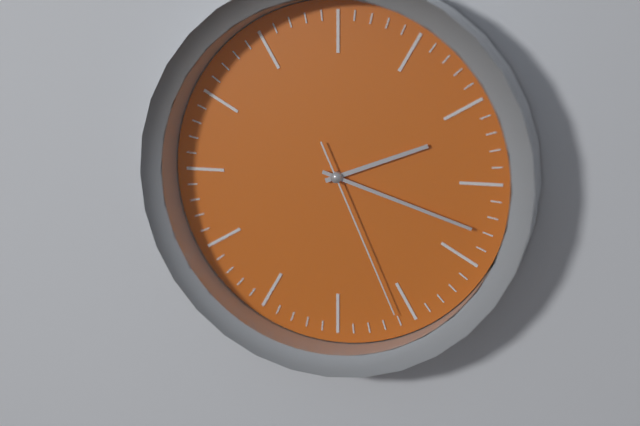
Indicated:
2.18.26
